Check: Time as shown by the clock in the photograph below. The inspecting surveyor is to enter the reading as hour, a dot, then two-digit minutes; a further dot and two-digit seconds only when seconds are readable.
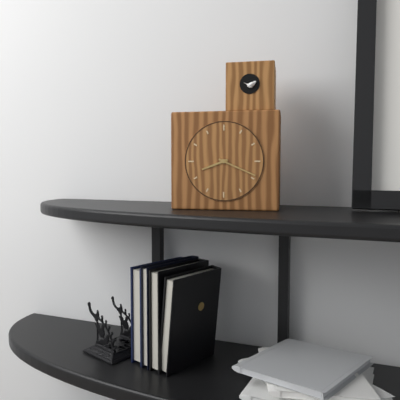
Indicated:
8.19
